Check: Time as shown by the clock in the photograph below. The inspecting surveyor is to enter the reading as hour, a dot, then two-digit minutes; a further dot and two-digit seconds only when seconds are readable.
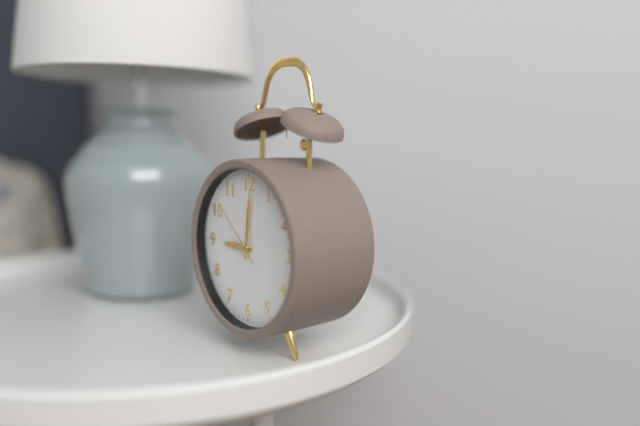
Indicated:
9.01.52
